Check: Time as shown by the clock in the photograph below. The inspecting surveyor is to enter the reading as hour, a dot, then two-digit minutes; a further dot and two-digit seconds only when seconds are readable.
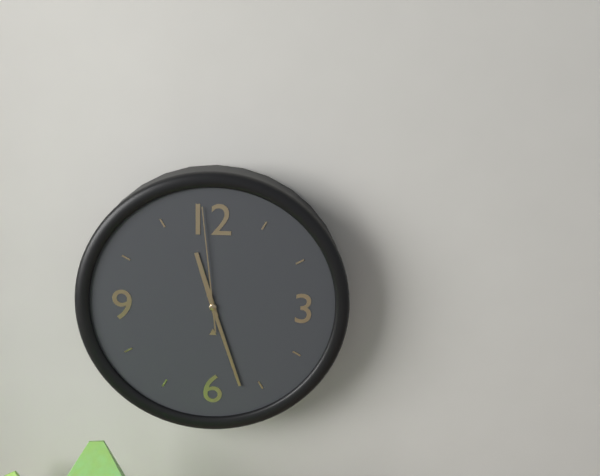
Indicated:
11.27.59
